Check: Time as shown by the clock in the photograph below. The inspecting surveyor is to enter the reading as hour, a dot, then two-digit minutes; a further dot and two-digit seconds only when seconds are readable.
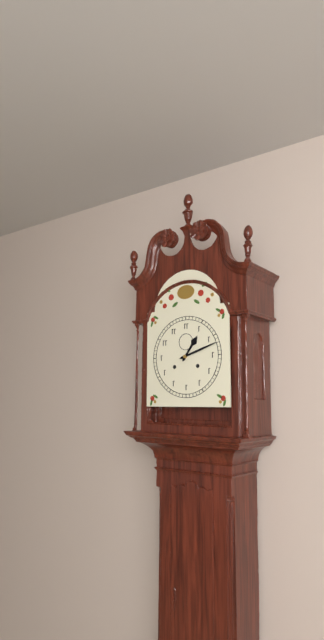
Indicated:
1.12
